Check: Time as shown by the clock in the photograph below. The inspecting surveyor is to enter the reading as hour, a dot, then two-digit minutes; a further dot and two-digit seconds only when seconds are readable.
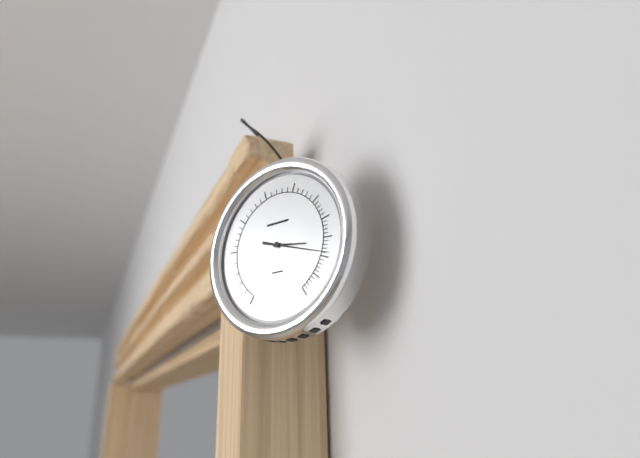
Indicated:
3.18
